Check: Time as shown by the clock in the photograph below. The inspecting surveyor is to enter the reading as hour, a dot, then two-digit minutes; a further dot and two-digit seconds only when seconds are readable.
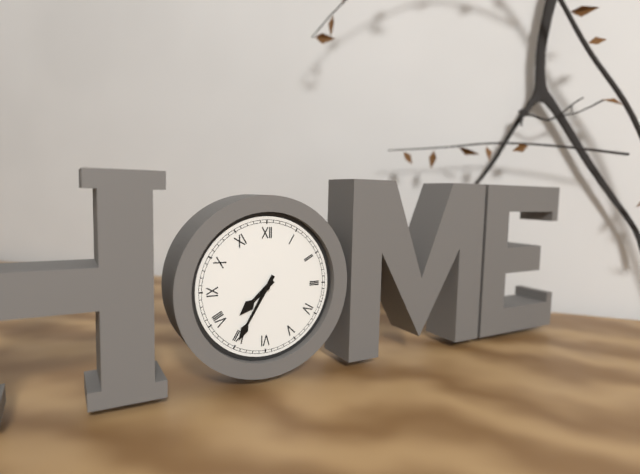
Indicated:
7.35
